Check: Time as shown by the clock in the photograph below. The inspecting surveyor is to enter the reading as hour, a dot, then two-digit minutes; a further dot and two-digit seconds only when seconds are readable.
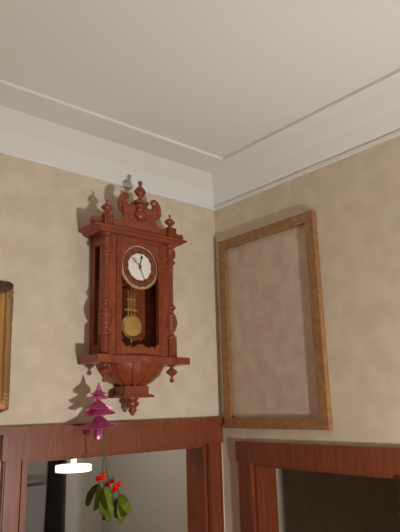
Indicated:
12.26
